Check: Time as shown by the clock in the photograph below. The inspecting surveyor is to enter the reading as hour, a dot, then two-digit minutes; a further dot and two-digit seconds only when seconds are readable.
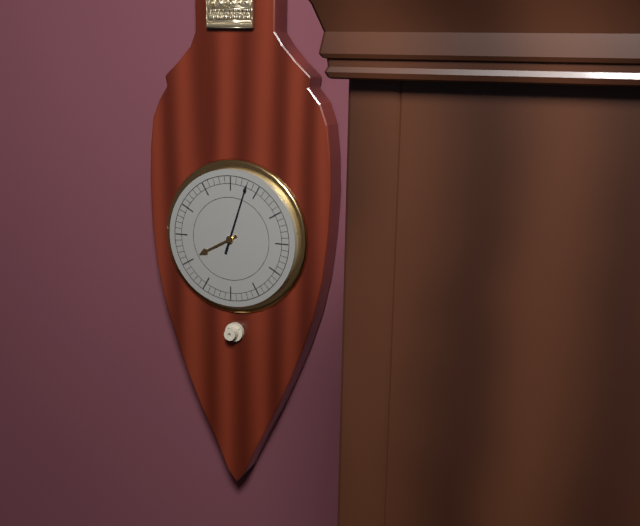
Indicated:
8.03
